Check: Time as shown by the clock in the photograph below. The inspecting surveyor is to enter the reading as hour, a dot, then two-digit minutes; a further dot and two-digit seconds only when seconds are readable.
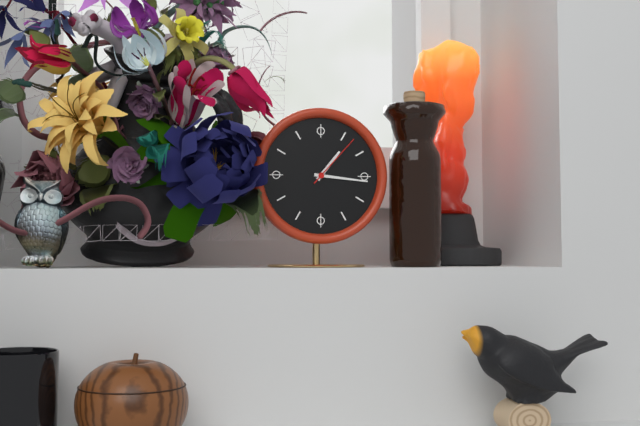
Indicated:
1.16.07
